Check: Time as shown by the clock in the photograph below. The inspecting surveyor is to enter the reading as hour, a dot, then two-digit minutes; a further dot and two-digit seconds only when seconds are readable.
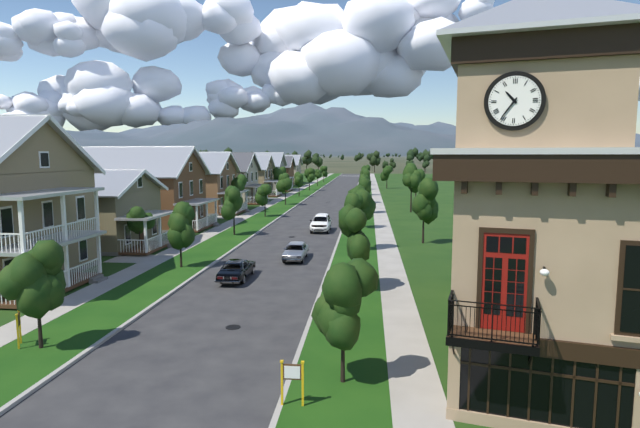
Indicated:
10.36
